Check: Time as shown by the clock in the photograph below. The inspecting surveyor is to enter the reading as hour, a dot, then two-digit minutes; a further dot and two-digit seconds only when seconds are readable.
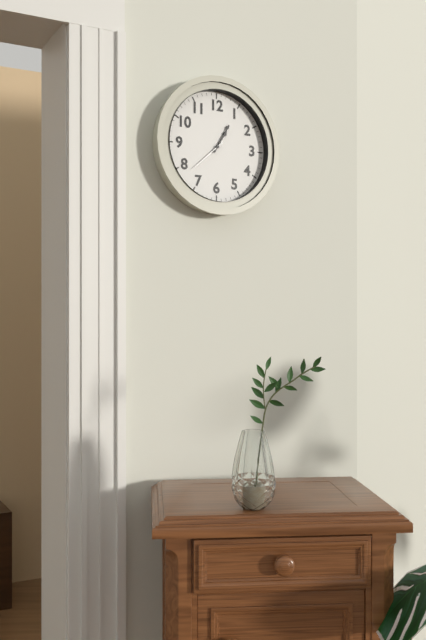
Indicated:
1.05
